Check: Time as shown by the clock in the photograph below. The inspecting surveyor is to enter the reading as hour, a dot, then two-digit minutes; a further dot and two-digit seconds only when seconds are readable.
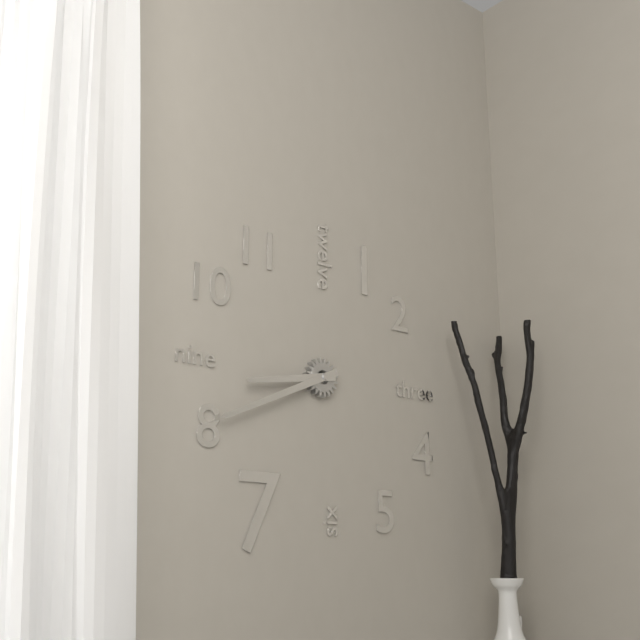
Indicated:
8.41
